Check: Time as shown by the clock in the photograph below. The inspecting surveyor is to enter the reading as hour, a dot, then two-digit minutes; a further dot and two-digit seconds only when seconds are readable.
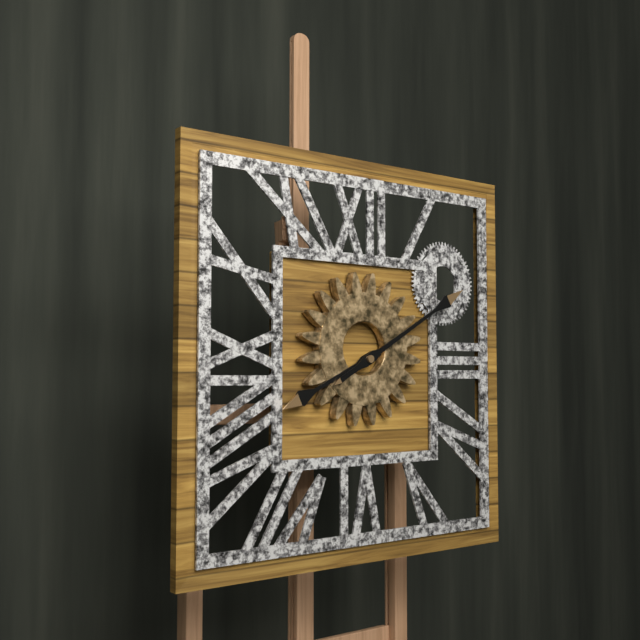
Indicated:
8.10
